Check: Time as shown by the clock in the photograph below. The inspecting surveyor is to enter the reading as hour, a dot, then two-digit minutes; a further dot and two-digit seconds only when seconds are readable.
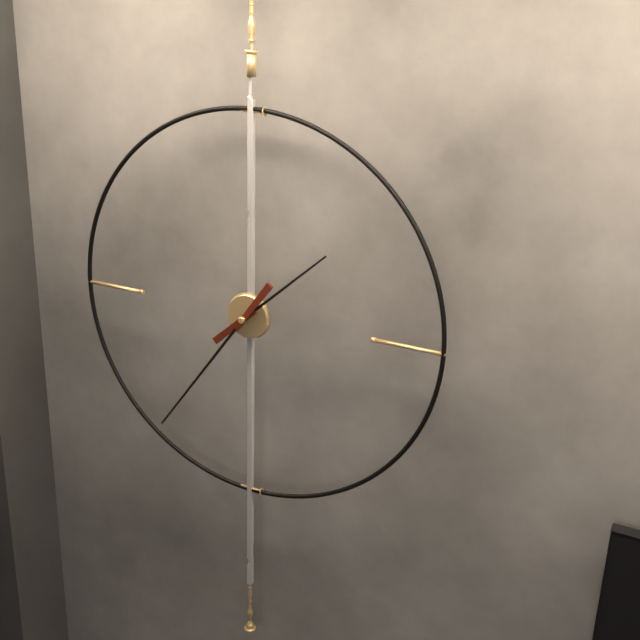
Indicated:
1.36
